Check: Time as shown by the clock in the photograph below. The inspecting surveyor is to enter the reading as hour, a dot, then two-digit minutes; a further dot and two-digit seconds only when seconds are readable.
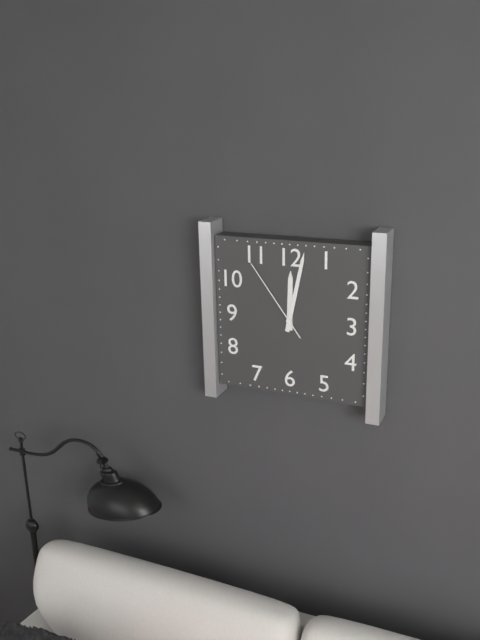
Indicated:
12.02.54
